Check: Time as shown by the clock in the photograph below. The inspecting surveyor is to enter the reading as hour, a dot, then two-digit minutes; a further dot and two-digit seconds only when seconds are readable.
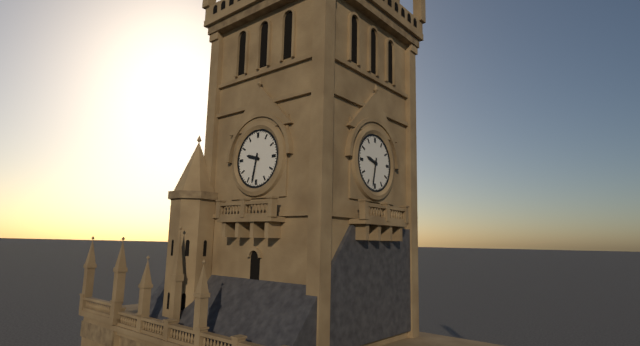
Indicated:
9.32
